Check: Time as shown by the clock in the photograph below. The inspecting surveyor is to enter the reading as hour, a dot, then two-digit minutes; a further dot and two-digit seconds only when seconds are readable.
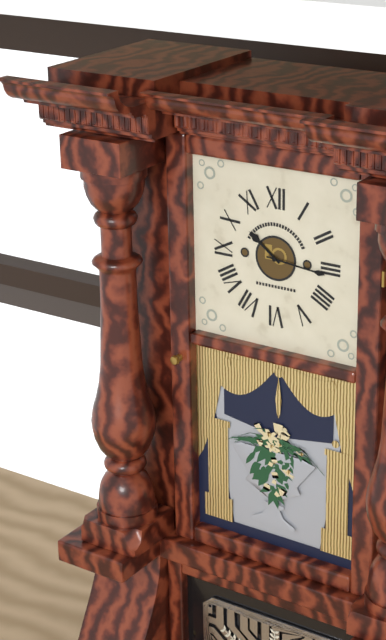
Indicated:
10.16
